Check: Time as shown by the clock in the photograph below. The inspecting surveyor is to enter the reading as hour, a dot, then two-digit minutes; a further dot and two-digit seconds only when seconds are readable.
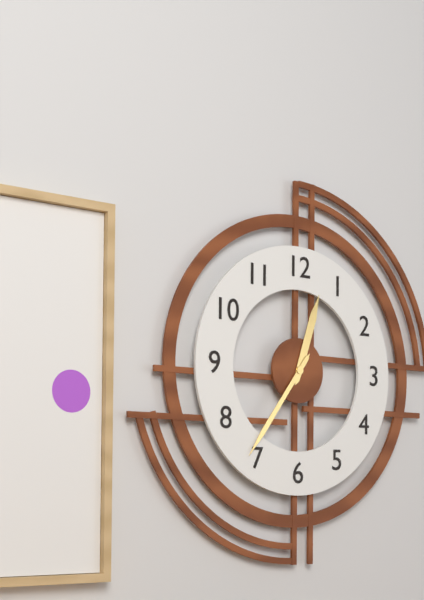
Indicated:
12.36
